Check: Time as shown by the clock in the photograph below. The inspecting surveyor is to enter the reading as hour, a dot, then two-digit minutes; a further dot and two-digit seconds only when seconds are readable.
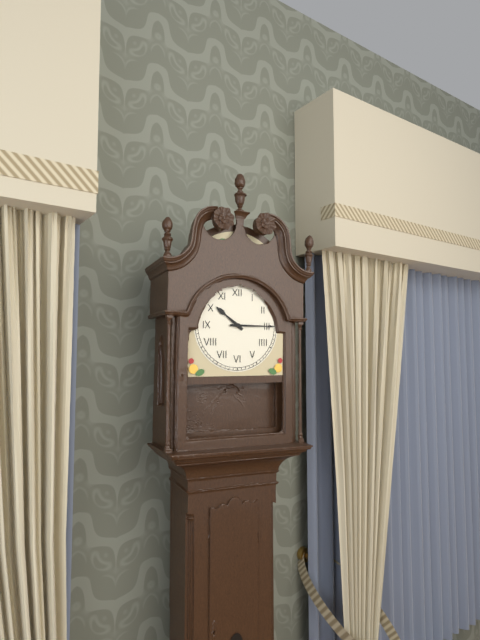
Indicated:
10.15
